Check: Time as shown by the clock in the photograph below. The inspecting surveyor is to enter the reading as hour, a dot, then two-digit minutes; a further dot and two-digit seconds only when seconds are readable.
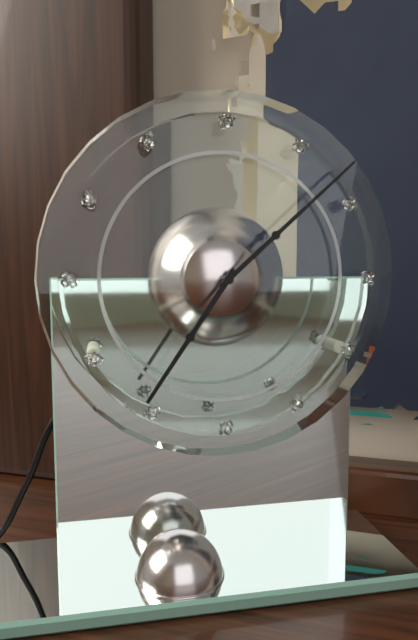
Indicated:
7.08
